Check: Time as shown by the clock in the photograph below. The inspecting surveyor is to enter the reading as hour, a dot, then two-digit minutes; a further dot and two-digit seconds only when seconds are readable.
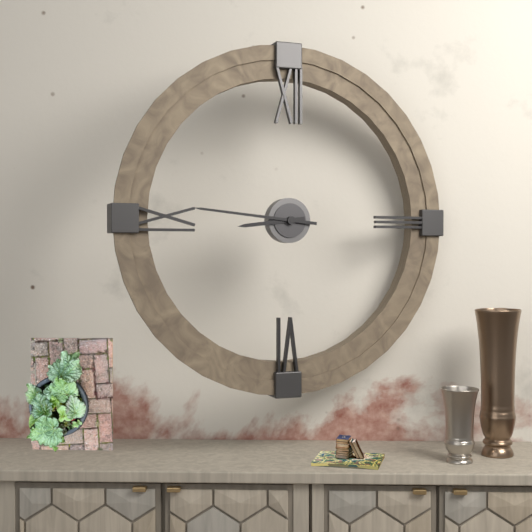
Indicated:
8.46
